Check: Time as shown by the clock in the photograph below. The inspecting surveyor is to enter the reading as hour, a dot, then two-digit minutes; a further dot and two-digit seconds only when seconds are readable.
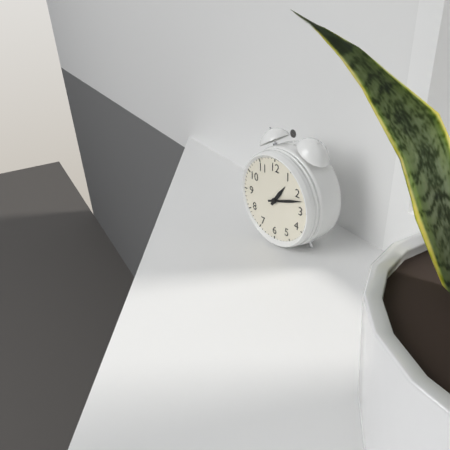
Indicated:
1.12
